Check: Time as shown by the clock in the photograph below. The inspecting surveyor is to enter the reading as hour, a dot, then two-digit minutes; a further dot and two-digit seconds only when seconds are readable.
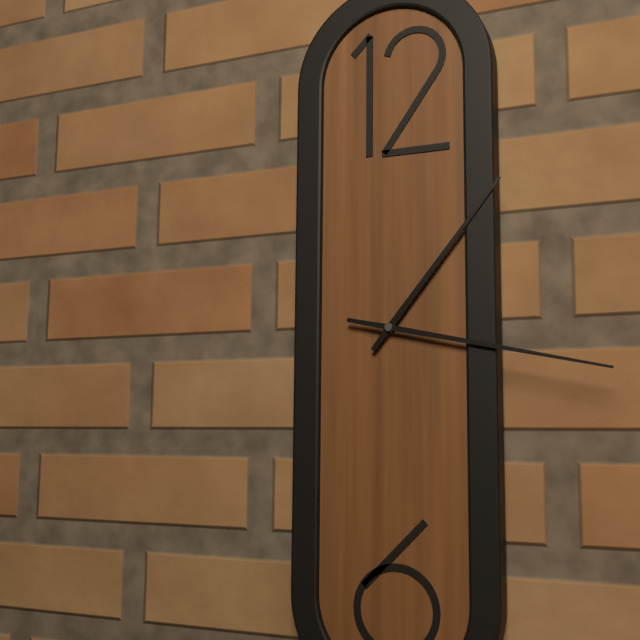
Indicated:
1.17
